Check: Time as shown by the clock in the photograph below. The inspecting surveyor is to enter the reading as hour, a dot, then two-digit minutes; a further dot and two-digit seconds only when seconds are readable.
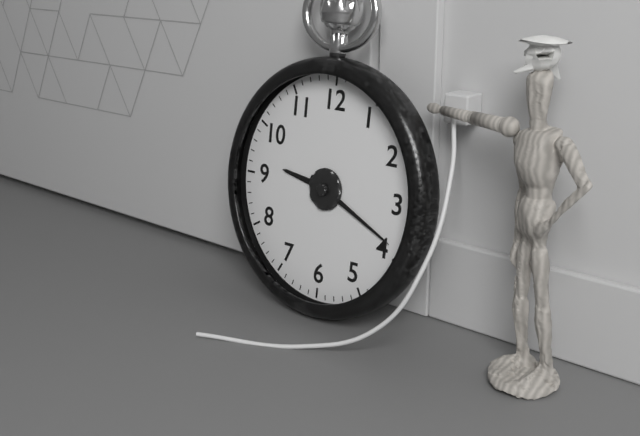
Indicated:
9.19
